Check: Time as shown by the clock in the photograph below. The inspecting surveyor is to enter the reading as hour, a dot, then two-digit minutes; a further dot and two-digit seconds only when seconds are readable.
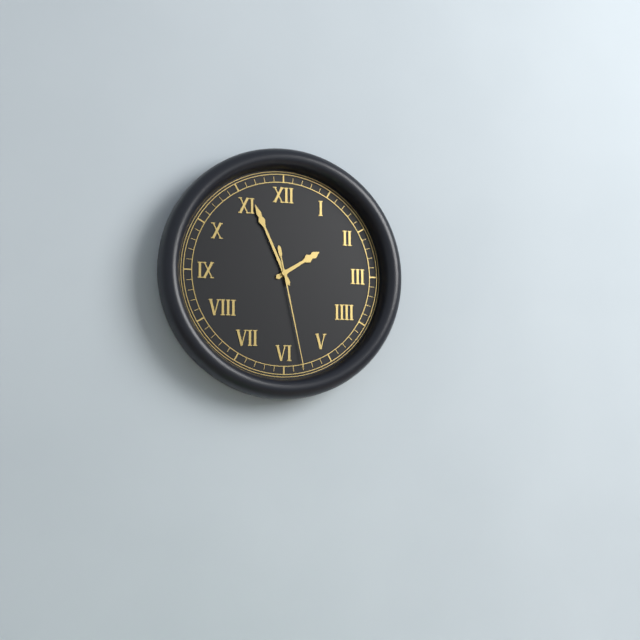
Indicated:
1.56.28
